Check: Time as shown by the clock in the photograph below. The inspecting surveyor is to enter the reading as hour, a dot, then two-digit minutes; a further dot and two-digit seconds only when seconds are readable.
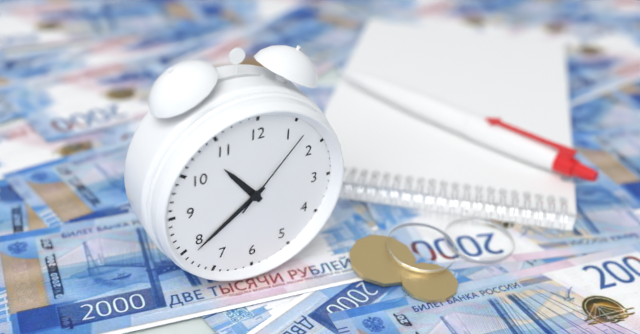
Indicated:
10.39.07
